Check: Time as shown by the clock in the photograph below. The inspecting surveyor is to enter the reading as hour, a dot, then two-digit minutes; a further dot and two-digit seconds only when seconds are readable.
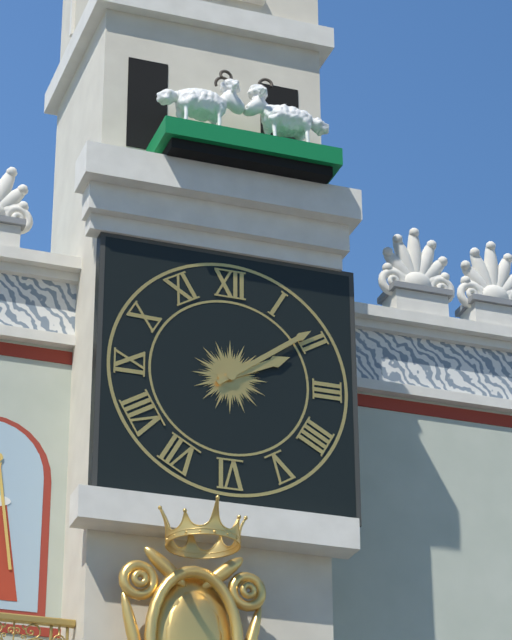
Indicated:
2.09
